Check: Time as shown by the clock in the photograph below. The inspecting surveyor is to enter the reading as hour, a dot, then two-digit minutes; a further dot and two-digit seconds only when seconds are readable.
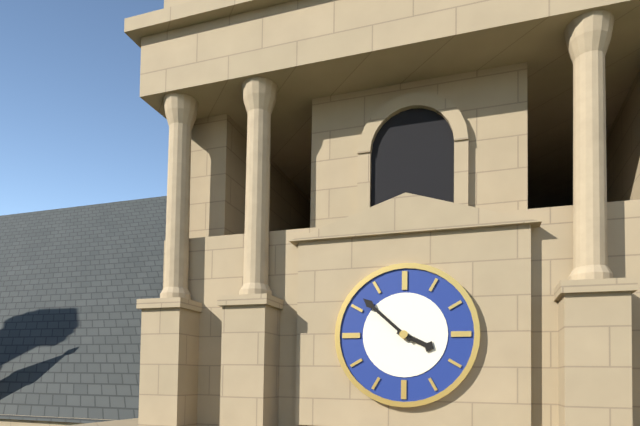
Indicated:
3.52
